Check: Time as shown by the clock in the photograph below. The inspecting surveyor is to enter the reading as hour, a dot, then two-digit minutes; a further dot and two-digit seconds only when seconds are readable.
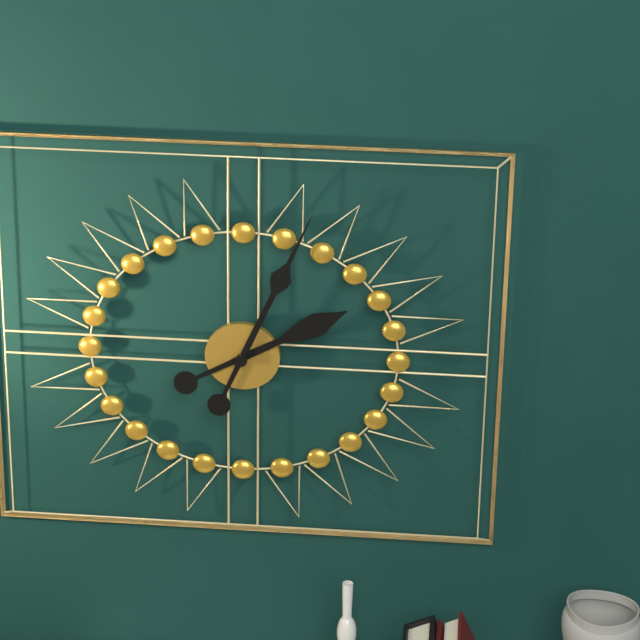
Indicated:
2.04
